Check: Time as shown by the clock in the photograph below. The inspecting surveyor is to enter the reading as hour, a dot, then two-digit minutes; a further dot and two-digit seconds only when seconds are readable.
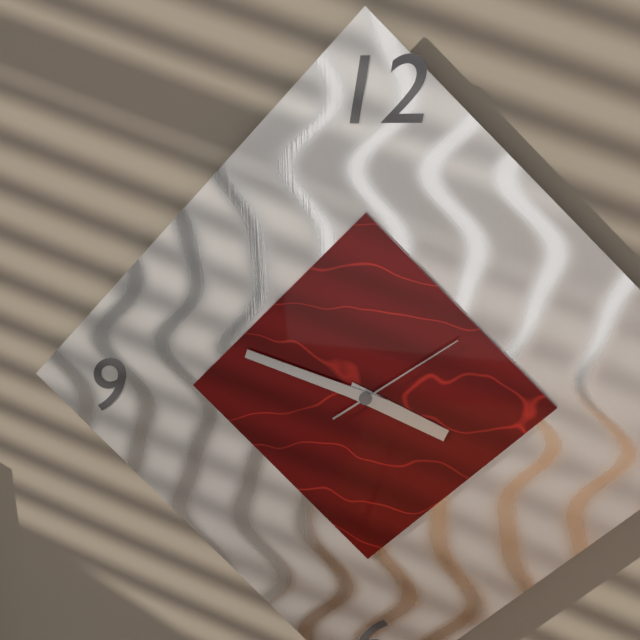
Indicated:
3.48.09
